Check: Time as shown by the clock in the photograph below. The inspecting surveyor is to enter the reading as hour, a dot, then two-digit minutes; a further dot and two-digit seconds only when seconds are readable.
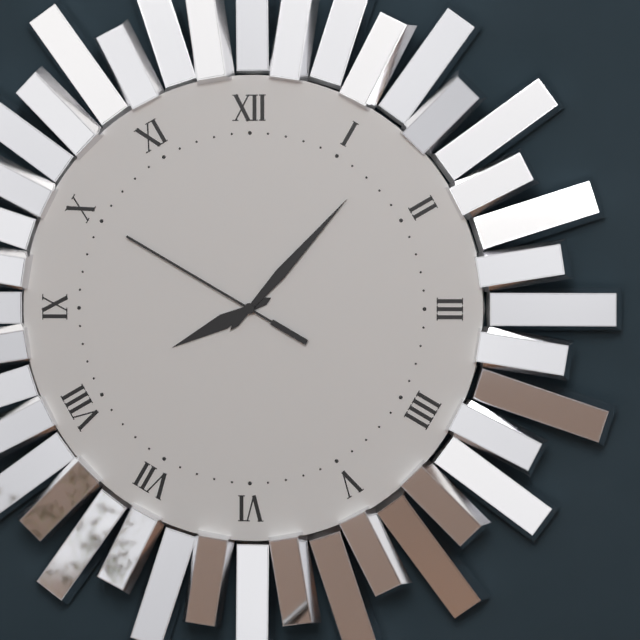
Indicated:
8.07.50
